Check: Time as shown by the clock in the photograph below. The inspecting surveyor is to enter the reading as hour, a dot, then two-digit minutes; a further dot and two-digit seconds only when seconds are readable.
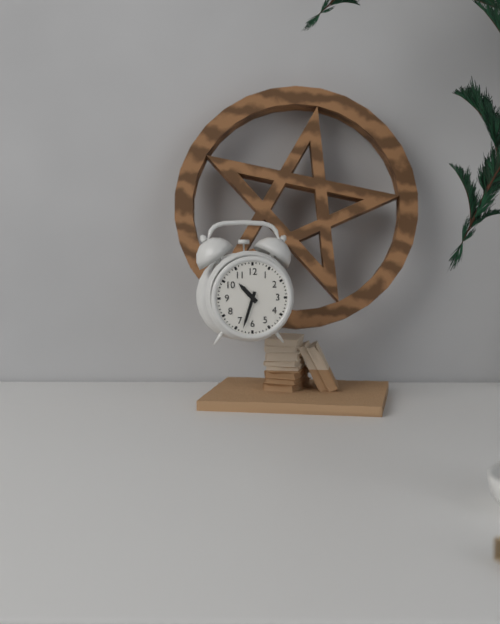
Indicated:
10.33
